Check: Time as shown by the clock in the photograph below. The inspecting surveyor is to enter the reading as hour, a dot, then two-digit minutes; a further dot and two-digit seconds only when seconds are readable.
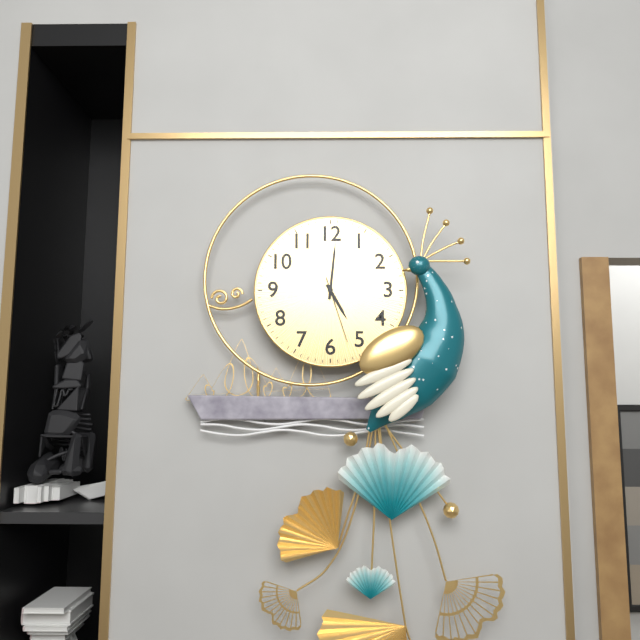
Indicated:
5.01.27
